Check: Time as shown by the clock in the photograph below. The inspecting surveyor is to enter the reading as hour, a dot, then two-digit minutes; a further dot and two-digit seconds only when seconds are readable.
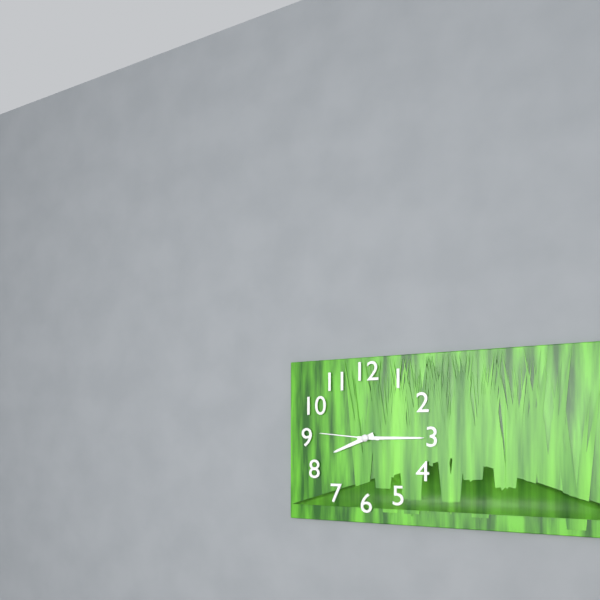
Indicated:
8.15.46
